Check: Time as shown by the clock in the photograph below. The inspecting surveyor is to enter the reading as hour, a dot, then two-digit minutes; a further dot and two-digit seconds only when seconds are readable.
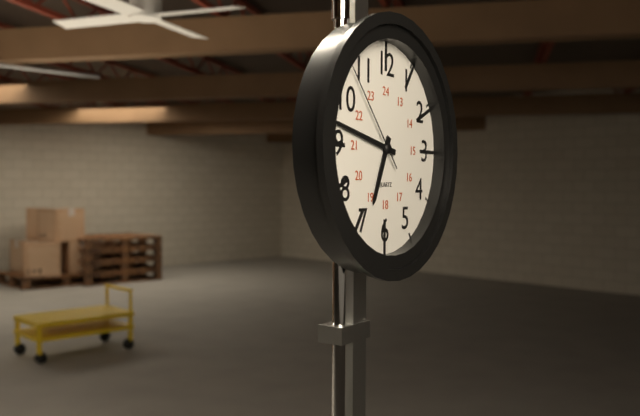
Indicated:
6.47.53
